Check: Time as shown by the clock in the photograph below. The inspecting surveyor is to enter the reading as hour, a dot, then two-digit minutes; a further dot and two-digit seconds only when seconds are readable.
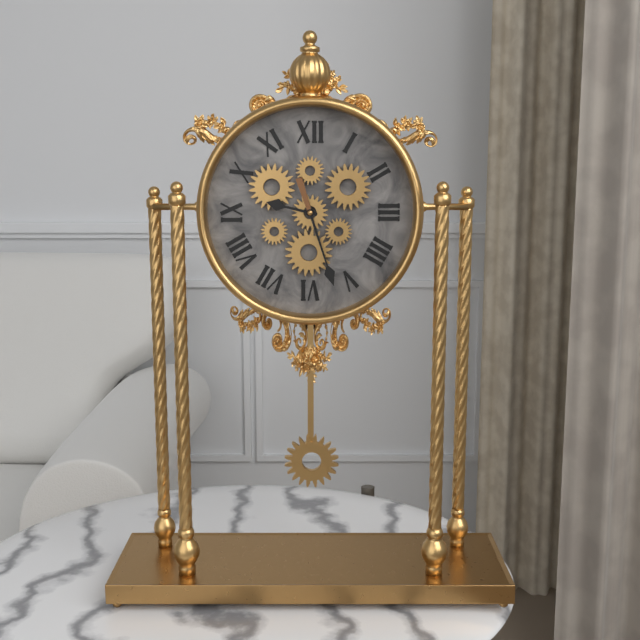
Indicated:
9.27
